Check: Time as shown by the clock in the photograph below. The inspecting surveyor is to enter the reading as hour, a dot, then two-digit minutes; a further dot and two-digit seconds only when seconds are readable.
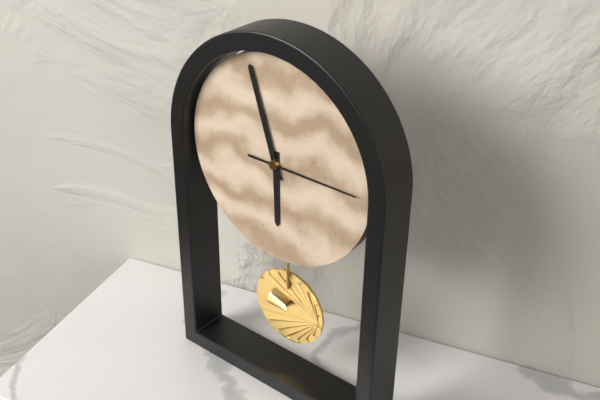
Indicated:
5.57.15
